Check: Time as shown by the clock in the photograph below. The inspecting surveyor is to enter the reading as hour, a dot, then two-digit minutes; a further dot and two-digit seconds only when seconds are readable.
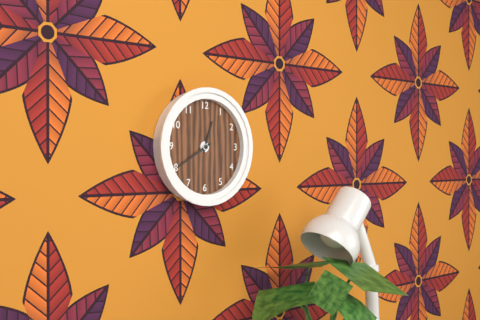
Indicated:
12.40
